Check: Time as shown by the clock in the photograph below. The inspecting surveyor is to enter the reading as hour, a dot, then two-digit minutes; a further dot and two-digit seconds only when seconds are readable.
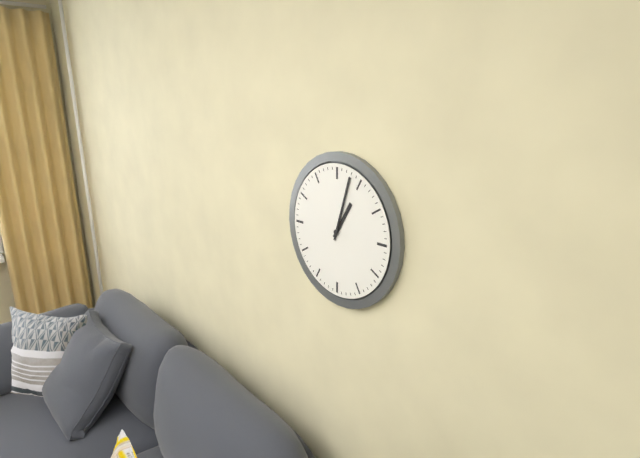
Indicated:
1.03
